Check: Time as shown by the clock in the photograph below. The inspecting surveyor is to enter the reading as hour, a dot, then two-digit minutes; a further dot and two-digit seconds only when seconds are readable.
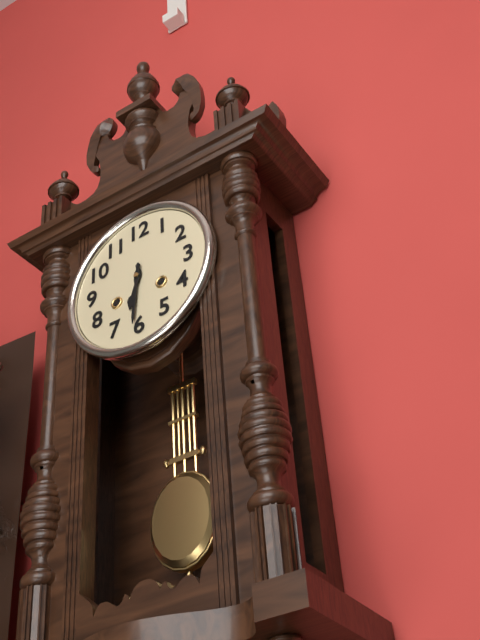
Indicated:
6.31
